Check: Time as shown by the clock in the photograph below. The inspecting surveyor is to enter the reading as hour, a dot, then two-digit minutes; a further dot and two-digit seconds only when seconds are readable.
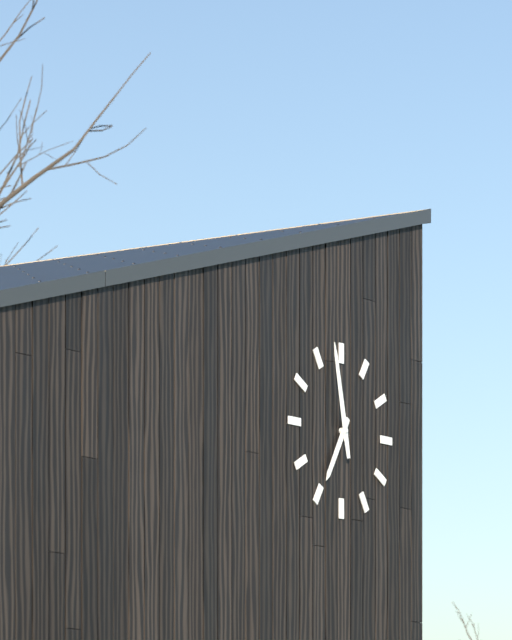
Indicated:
6.58
